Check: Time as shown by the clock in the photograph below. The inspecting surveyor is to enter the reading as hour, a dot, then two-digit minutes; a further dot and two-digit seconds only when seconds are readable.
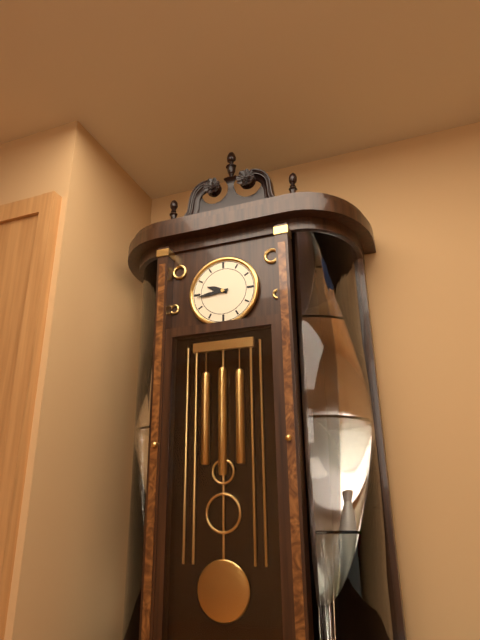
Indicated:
9.44
